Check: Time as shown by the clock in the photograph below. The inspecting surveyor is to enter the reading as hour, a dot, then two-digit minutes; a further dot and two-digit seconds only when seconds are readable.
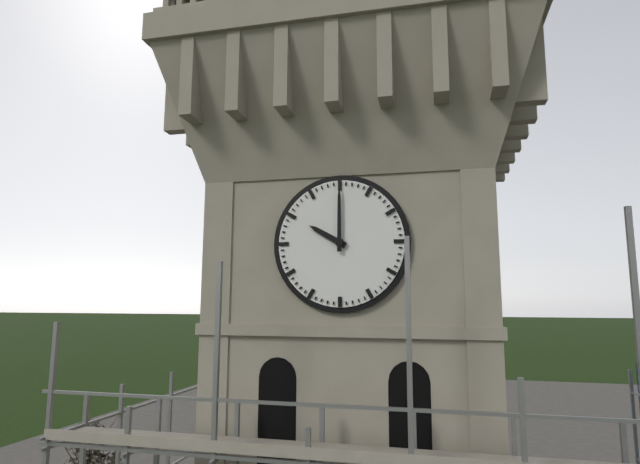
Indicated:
10.00
